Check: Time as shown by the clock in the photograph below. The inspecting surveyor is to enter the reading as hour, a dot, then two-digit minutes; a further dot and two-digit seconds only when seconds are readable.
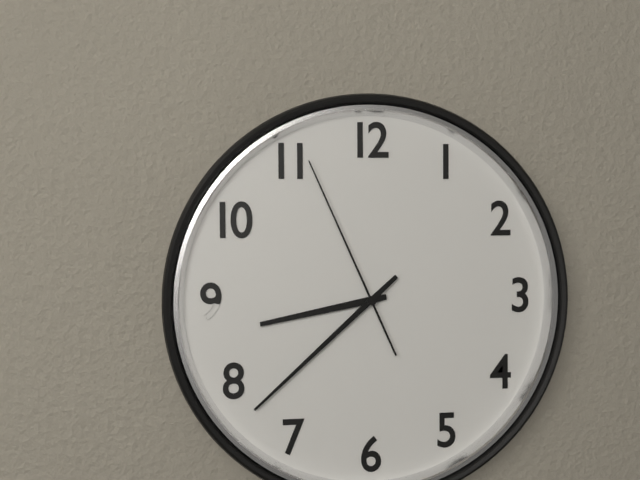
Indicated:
8.38.56
